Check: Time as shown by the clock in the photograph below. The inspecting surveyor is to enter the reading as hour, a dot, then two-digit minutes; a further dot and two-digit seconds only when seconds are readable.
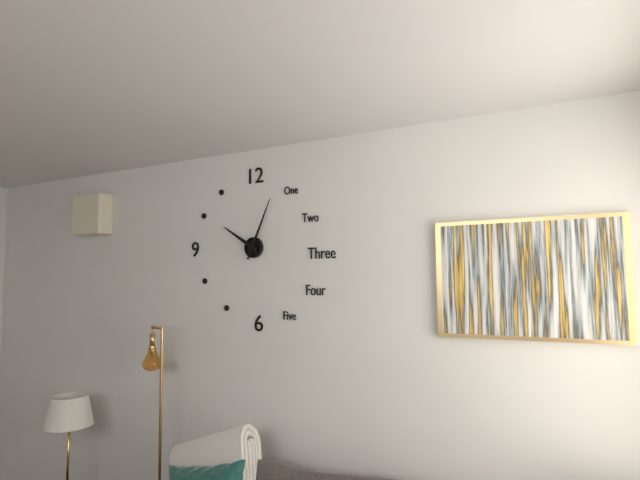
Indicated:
10.04
